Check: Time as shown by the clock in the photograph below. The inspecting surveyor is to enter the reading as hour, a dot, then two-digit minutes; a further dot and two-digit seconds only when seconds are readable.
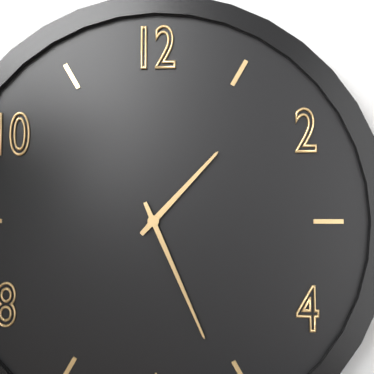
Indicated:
1.26
